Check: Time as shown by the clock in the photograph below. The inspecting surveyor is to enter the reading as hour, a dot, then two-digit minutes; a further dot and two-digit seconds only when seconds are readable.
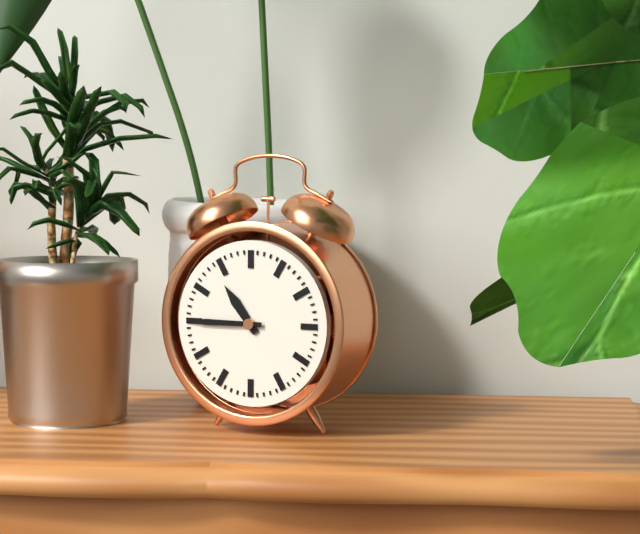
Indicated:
10.45
